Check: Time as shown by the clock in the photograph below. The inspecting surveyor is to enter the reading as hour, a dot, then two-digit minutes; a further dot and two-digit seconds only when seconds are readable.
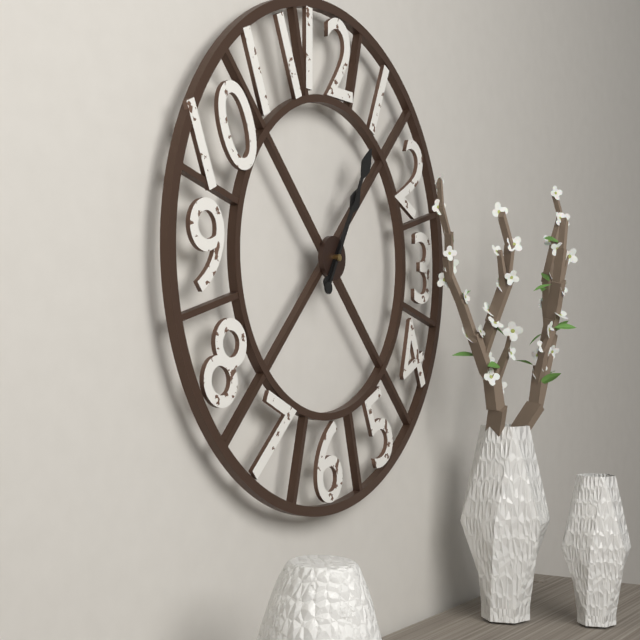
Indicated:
1.05
